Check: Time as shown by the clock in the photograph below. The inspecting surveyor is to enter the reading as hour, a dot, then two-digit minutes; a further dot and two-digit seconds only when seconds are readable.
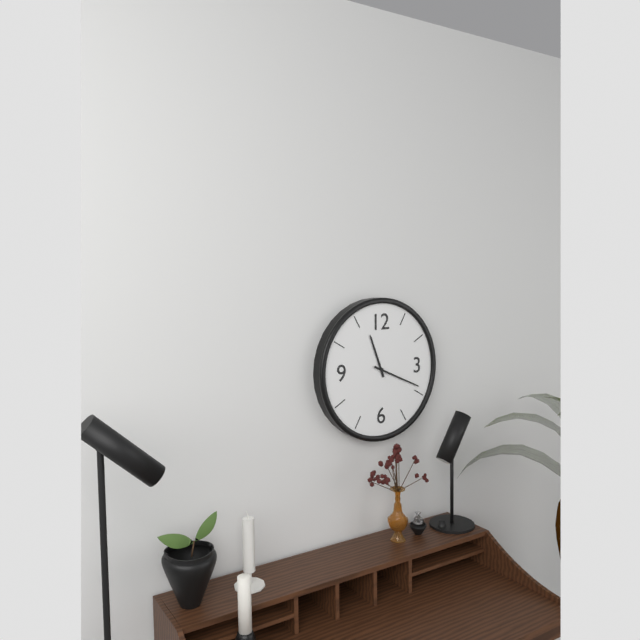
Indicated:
11.19
